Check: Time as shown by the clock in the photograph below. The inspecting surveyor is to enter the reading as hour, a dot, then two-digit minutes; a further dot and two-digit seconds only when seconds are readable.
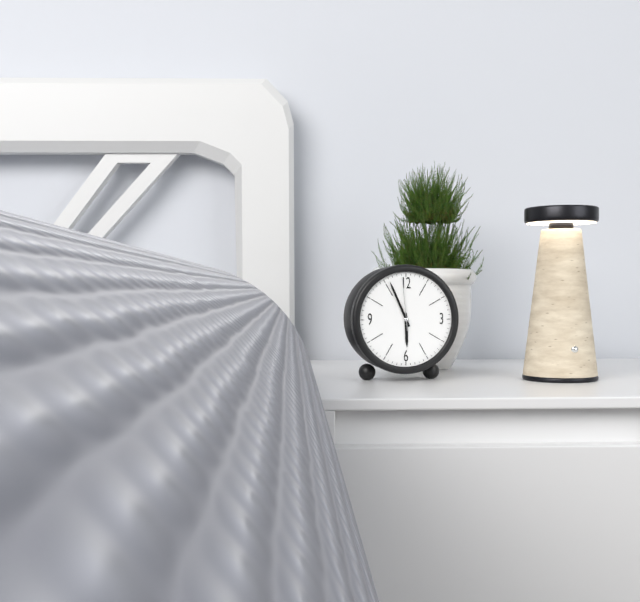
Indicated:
5.56.59
